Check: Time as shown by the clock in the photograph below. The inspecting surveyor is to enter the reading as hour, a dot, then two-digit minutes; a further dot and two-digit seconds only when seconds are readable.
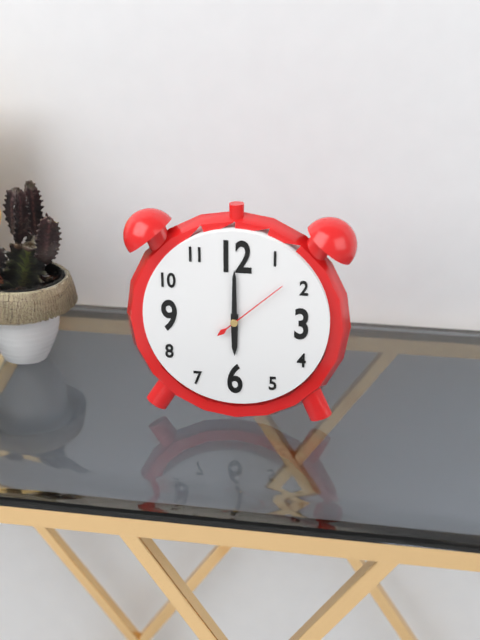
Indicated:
6.00.08
